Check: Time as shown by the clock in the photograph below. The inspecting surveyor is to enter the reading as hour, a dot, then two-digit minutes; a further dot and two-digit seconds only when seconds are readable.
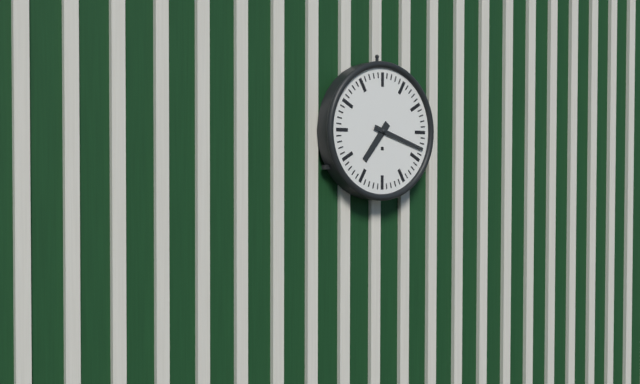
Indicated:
7.18
